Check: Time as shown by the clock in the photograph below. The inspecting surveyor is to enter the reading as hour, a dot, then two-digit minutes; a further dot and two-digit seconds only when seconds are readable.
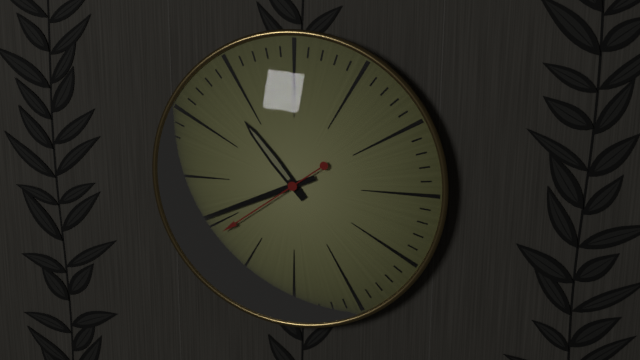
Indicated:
10.41.39
